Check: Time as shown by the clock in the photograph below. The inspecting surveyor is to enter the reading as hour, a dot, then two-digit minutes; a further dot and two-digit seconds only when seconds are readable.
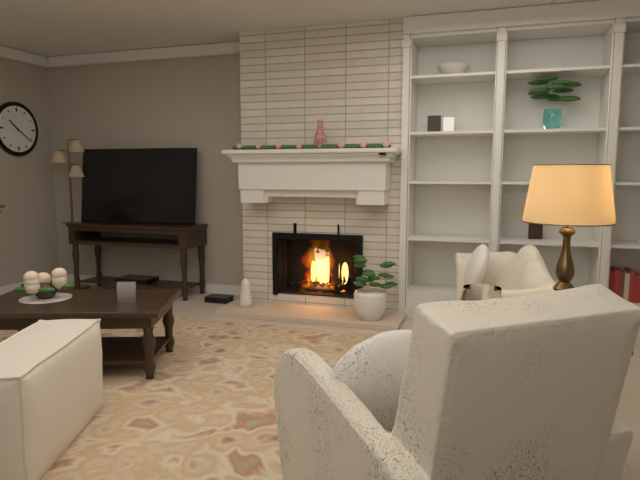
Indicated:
10.21
